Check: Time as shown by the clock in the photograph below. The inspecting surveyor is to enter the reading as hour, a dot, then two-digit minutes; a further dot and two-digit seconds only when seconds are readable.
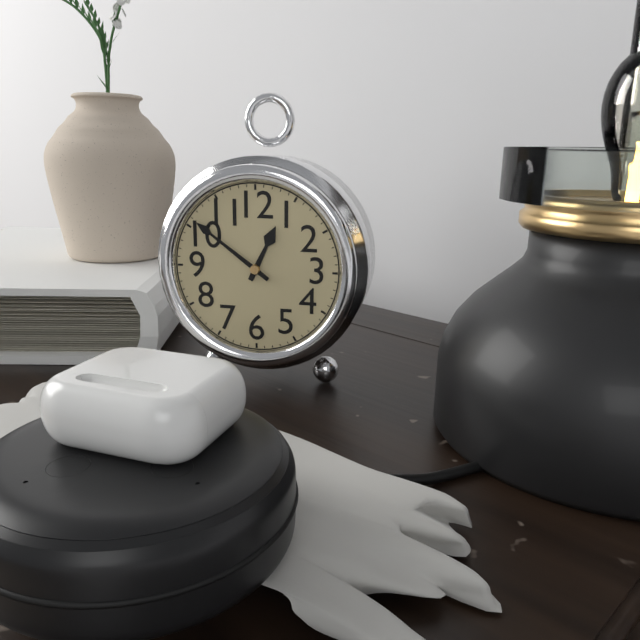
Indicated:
12.51
